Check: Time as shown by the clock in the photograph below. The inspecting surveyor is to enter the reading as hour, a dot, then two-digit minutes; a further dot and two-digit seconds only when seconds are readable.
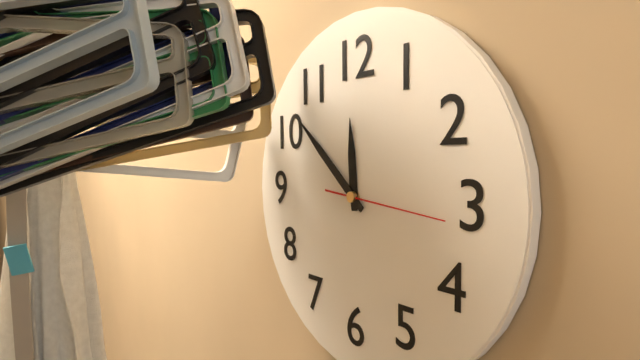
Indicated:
11.52.16
